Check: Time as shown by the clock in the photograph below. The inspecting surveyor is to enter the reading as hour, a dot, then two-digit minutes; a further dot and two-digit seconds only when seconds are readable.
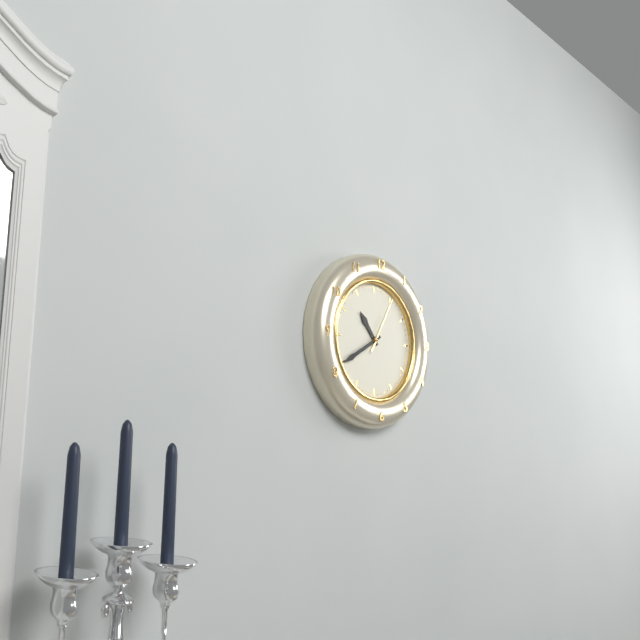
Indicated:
10.40.05
